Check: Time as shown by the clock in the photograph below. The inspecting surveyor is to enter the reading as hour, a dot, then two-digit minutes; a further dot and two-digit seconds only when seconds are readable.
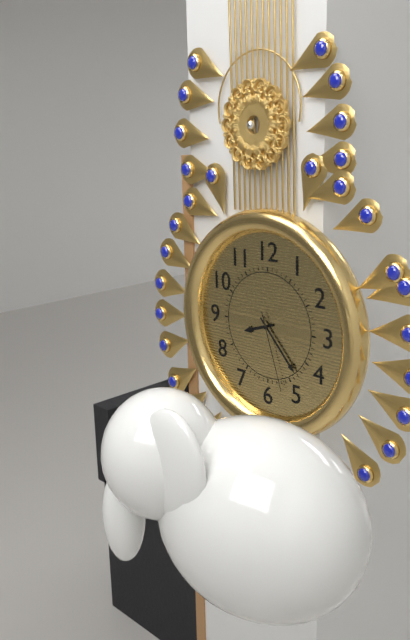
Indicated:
8.23.27
